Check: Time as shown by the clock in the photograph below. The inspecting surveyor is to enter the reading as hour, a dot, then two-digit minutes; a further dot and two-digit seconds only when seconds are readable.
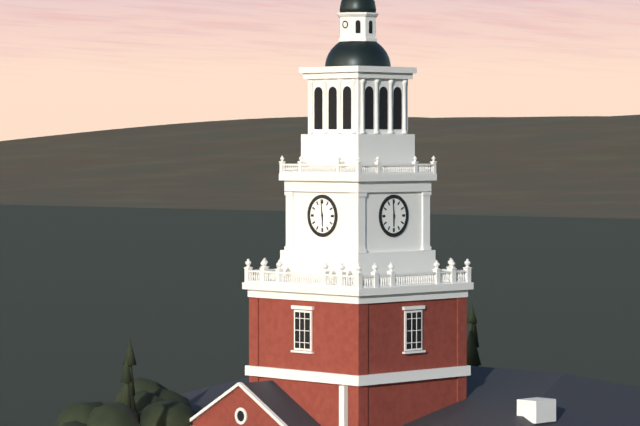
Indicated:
5.59
